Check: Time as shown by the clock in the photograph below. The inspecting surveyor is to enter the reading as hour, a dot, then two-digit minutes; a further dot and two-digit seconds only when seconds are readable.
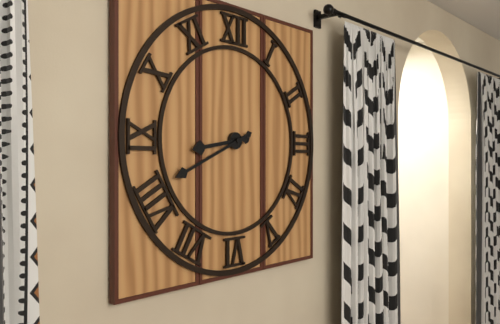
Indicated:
8.41
